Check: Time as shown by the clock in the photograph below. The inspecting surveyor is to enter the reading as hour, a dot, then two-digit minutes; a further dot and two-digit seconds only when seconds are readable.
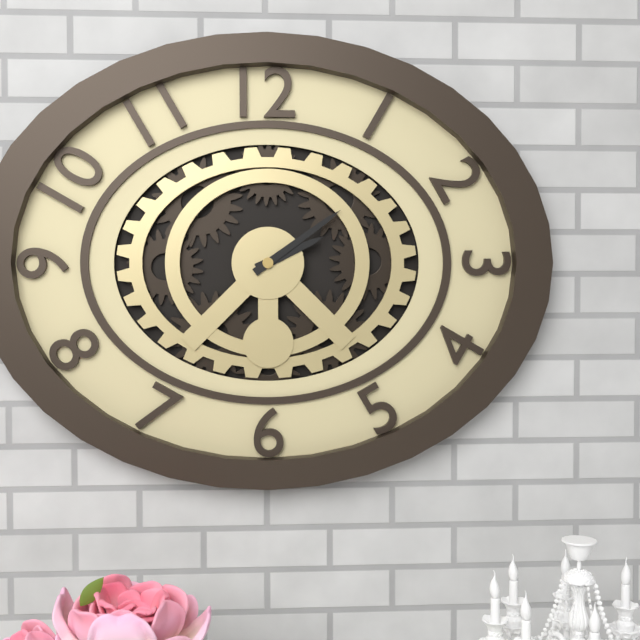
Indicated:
2.09
